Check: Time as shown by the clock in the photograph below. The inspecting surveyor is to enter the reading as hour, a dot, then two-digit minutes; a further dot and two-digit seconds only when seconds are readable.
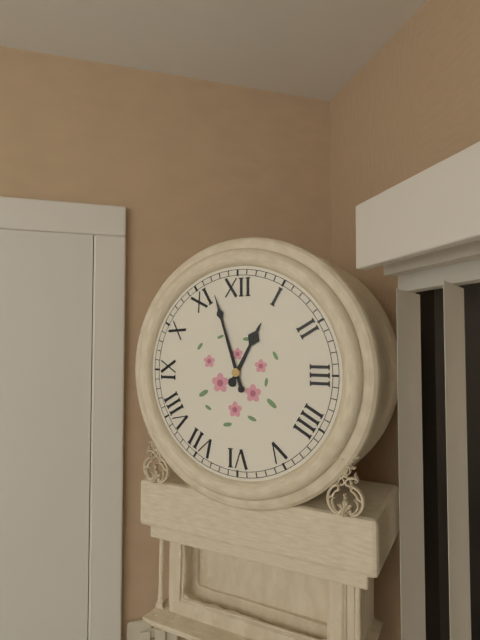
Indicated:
12.57
